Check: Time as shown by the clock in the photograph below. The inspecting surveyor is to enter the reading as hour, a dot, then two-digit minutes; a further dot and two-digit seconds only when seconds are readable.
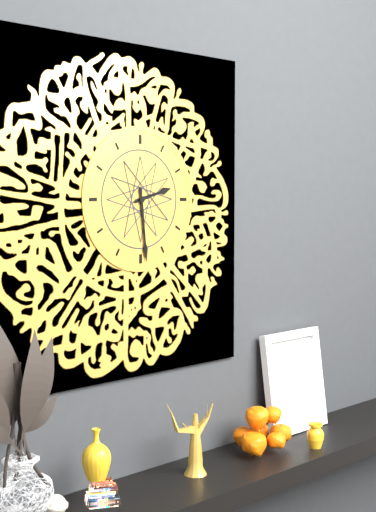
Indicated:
2.29
